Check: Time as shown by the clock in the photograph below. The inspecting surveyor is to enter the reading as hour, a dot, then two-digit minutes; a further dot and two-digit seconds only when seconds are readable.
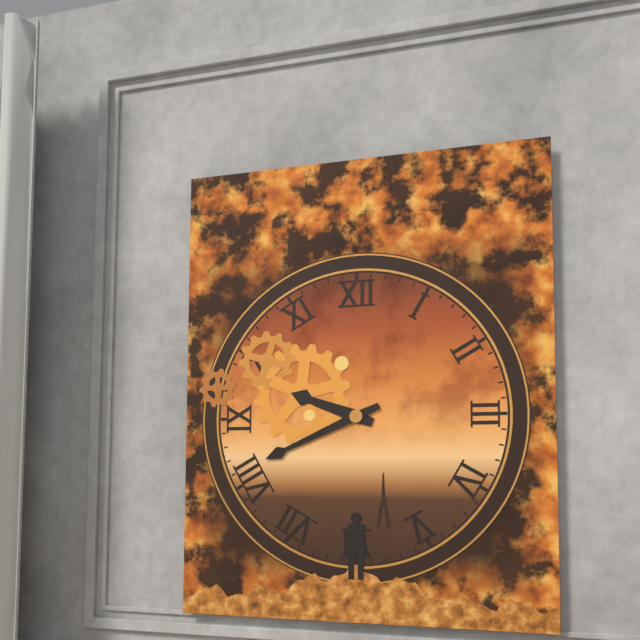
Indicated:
9.41
